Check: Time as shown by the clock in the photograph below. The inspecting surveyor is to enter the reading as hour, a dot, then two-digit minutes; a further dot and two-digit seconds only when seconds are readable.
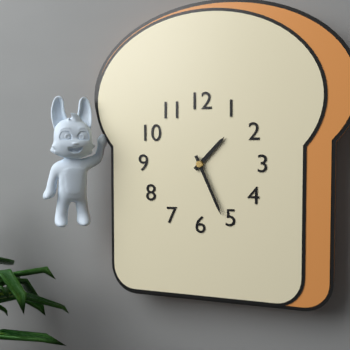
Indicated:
1.26
